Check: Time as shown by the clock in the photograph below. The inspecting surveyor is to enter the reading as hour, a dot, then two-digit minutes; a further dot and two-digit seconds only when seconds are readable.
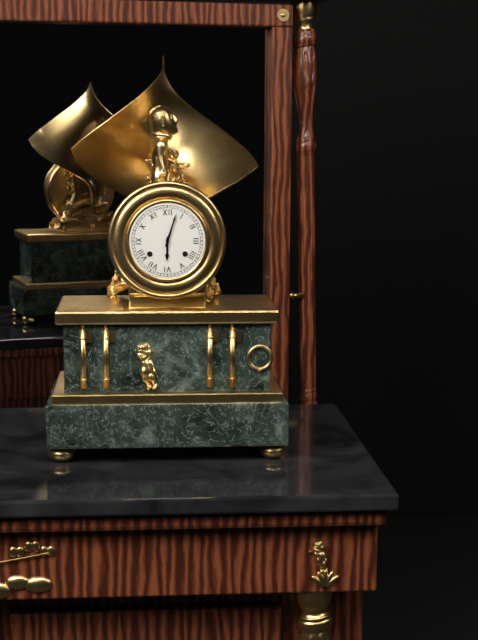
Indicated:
6.03
